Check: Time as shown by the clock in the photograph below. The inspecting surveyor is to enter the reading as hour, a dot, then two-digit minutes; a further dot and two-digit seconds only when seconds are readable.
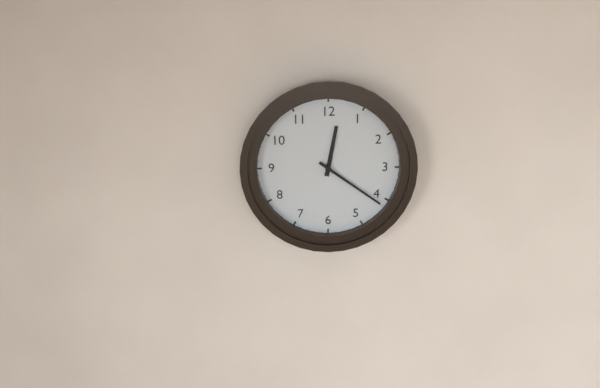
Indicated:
12.21
